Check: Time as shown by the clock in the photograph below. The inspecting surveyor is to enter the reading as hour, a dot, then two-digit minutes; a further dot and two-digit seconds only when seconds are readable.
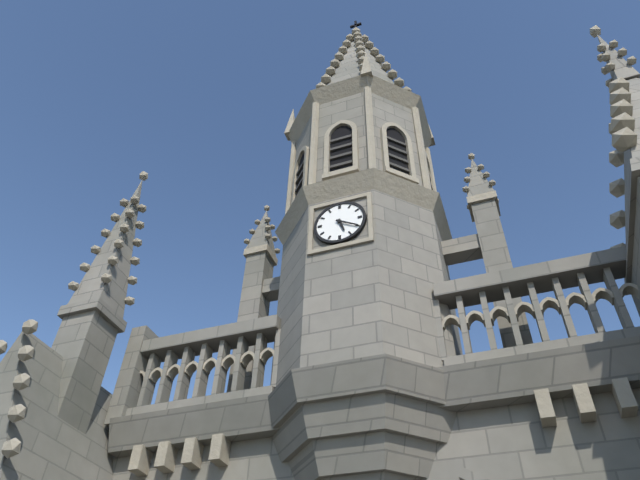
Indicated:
5.20
